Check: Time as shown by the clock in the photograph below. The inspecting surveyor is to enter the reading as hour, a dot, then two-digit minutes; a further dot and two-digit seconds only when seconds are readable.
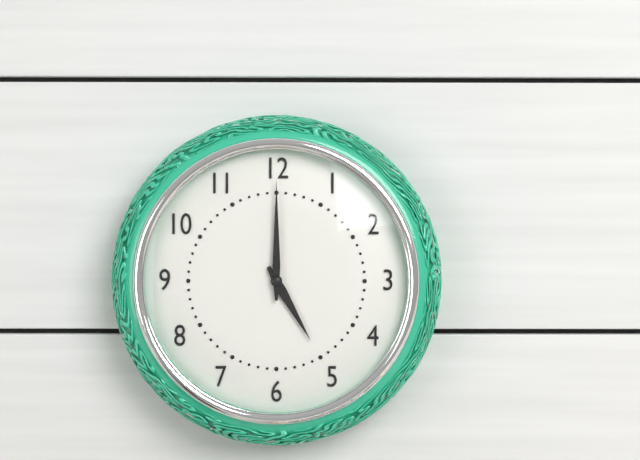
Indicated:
5.00
